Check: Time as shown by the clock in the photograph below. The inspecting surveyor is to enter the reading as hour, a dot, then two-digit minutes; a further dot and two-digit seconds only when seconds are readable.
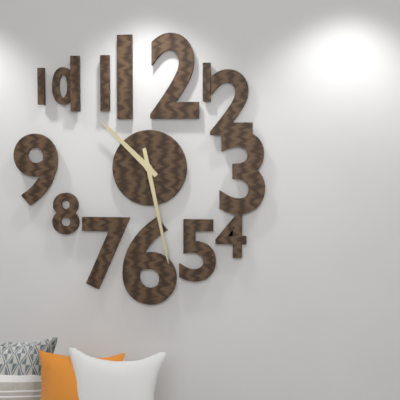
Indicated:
10.28
